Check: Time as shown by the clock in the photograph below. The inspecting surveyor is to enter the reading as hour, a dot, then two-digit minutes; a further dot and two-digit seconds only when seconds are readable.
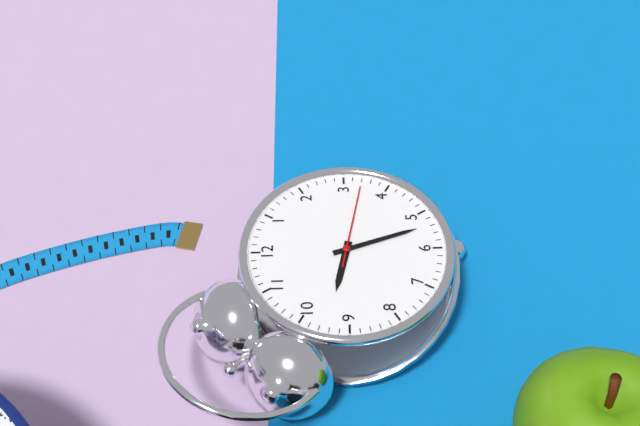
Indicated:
9.27.17
